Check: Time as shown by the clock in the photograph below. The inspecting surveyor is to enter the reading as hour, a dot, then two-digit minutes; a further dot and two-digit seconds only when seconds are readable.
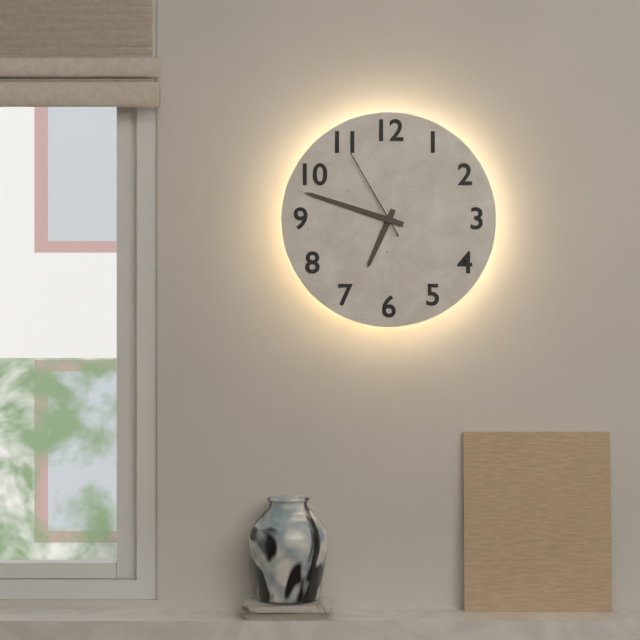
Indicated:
6.48.55
